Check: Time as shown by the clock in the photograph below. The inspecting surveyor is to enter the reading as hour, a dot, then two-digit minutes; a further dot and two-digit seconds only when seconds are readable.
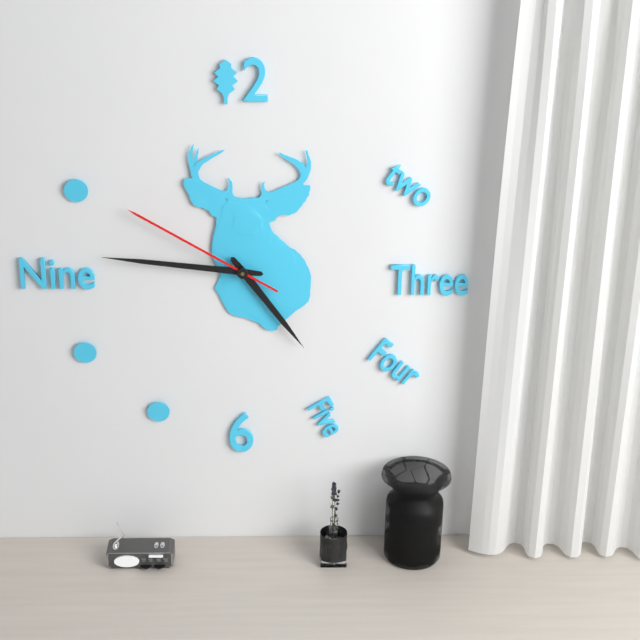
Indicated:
4.46.50
